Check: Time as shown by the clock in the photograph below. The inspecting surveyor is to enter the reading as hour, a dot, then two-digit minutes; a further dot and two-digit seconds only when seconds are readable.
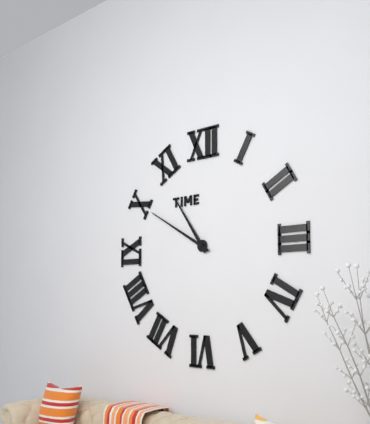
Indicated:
10.50
